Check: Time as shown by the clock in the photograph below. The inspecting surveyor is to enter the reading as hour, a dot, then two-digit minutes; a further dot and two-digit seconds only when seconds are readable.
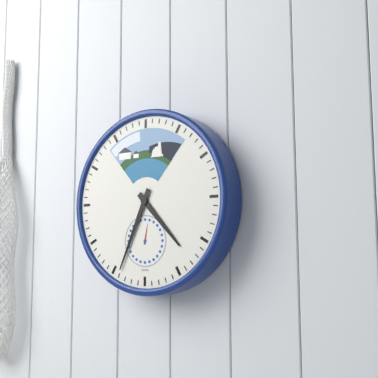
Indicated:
4.34
